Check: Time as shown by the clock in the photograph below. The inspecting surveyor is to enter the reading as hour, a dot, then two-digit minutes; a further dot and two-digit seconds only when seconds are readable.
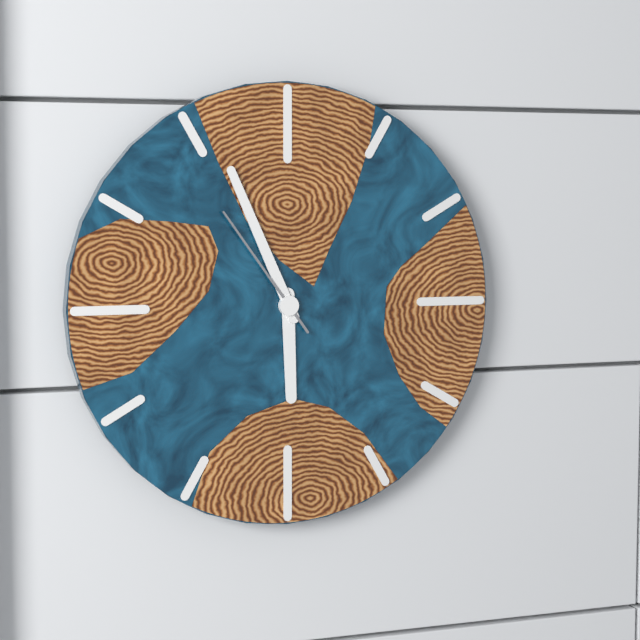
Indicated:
5.56.54
